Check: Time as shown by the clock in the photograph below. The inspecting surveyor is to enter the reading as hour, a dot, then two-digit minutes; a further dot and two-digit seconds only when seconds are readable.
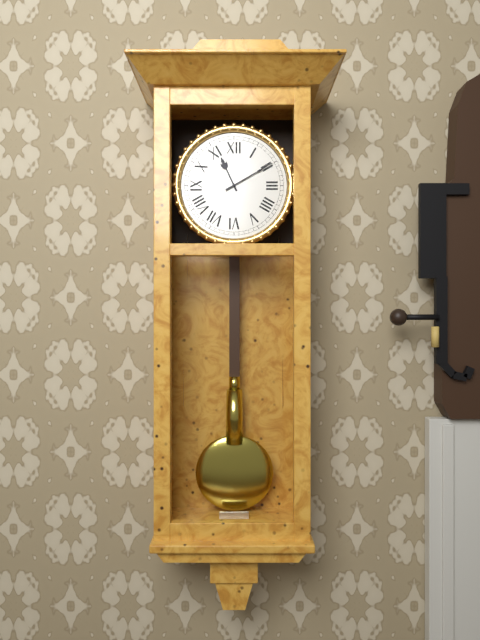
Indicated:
11.10
